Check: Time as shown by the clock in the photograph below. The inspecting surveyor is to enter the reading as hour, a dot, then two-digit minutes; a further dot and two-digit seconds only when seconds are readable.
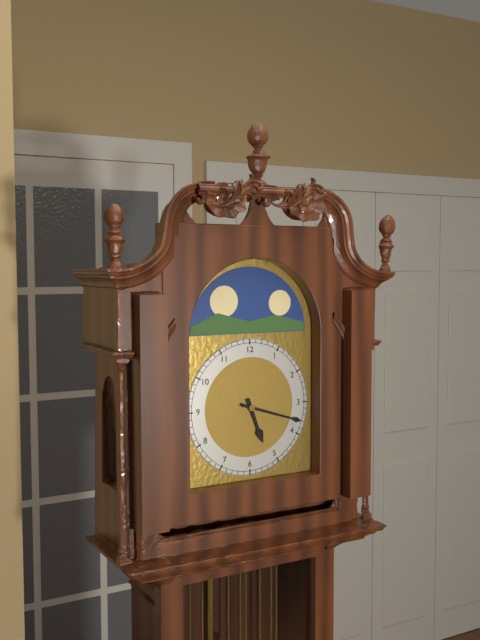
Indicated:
5.18
